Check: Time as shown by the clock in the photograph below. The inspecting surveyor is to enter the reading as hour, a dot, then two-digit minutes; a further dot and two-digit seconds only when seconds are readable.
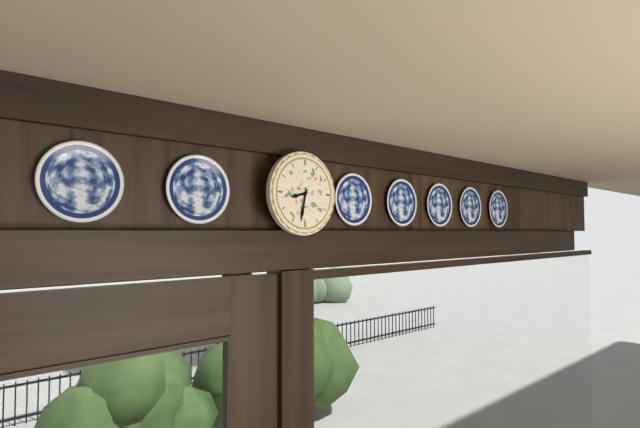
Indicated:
8.32
